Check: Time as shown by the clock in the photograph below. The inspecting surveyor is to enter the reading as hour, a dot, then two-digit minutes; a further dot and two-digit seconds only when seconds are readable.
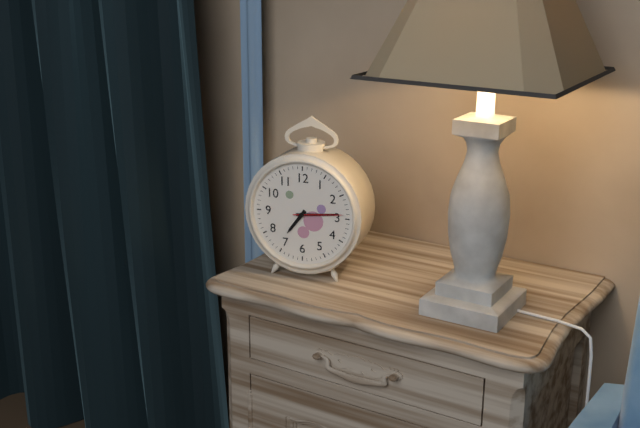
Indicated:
7.14.14
